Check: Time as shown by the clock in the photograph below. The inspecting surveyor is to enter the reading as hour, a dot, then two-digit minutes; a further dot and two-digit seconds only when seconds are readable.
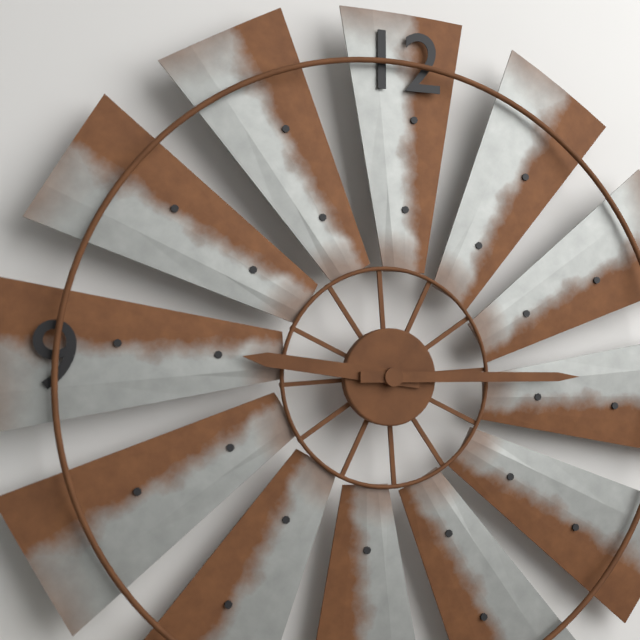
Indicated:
9.15
